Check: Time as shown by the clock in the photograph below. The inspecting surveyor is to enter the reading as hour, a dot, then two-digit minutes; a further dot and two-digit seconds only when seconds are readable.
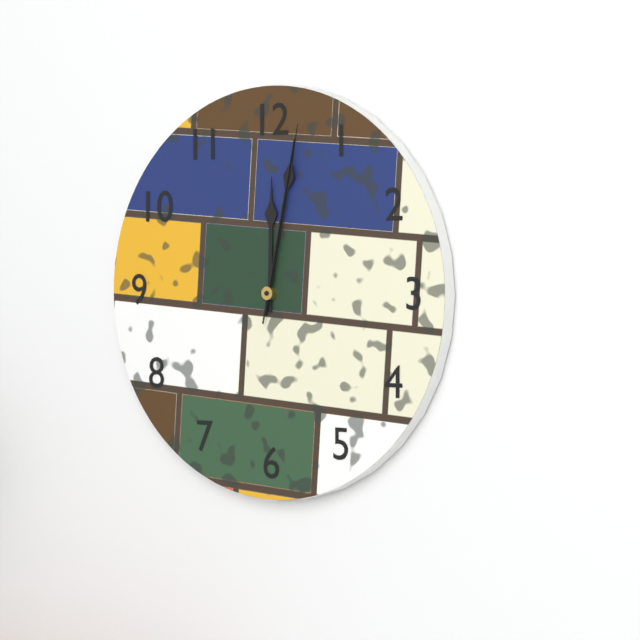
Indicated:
12.02.02
